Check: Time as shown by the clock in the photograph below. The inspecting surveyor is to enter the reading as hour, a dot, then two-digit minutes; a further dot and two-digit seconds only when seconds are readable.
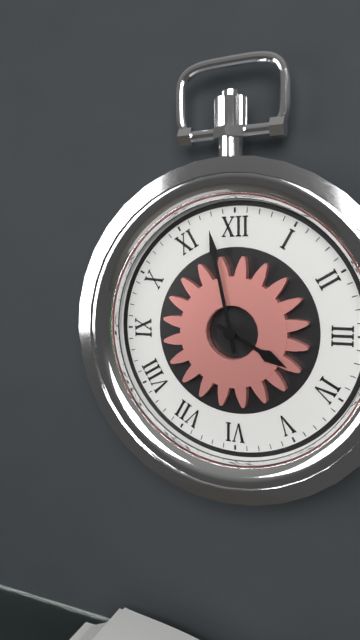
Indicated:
3.58
